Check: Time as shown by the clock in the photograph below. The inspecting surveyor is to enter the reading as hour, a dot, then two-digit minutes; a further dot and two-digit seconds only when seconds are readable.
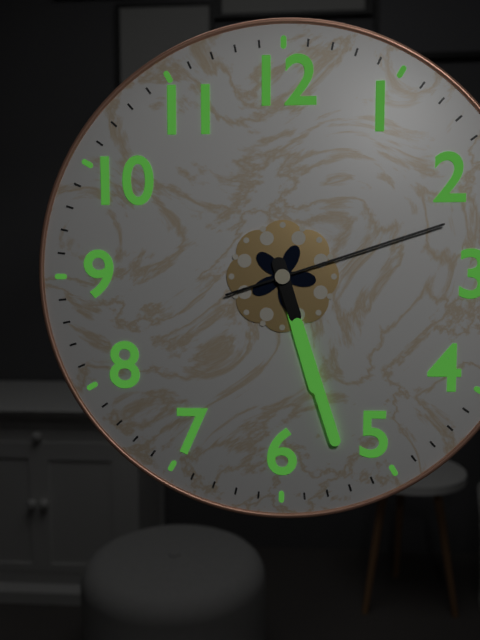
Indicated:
5.27.12
